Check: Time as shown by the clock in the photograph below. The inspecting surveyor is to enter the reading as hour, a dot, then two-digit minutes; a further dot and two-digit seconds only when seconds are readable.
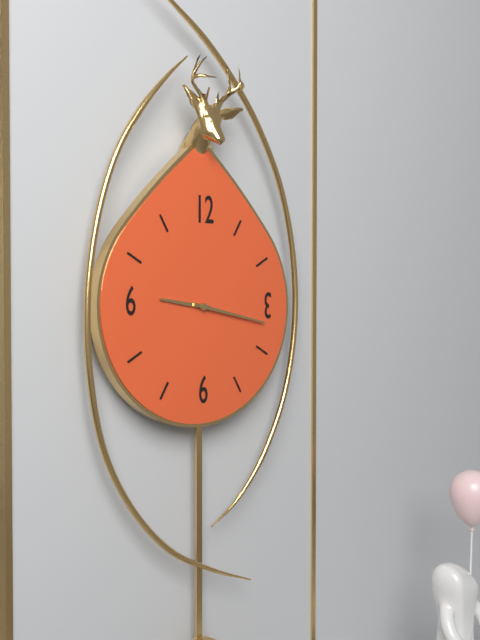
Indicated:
9.17
